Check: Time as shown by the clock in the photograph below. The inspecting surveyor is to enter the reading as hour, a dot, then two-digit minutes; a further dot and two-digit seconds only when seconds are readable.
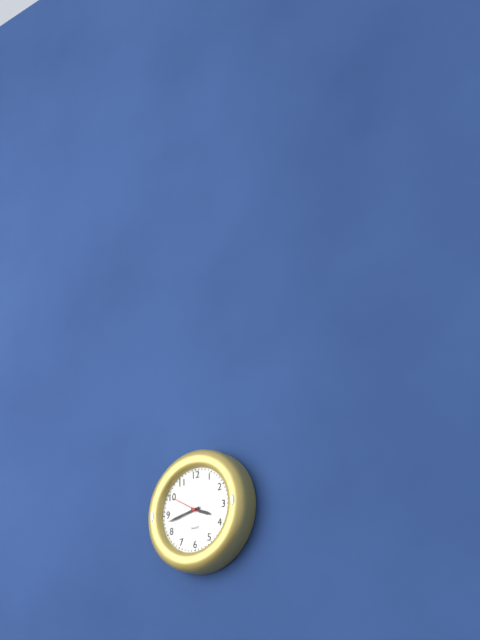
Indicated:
3.43
